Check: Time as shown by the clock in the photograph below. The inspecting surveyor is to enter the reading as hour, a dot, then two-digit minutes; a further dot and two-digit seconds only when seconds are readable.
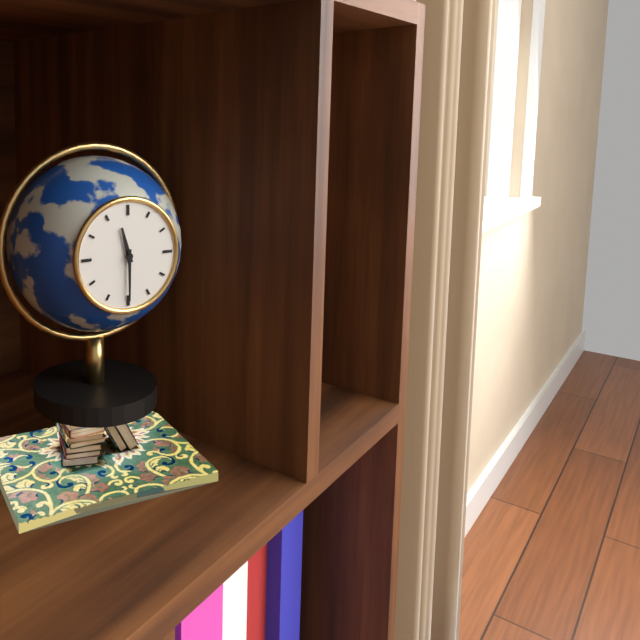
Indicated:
11.30
